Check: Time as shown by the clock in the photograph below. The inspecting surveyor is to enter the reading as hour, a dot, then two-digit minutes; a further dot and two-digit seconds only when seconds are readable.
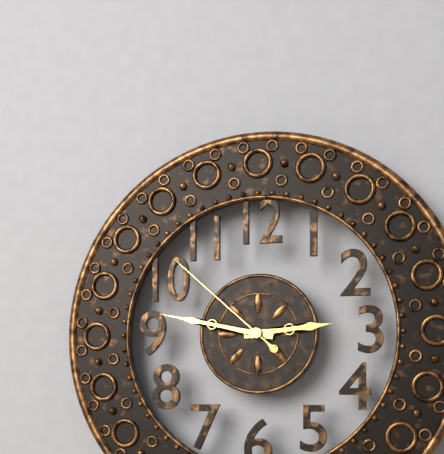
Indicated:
2.47.52
